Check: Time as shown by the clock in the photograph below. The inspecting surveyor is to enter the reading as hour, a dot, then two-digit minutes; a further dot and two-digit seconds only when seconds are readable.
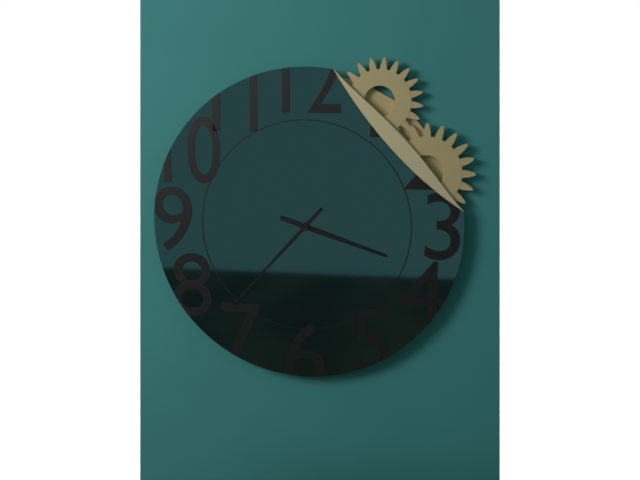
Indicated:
3.37
